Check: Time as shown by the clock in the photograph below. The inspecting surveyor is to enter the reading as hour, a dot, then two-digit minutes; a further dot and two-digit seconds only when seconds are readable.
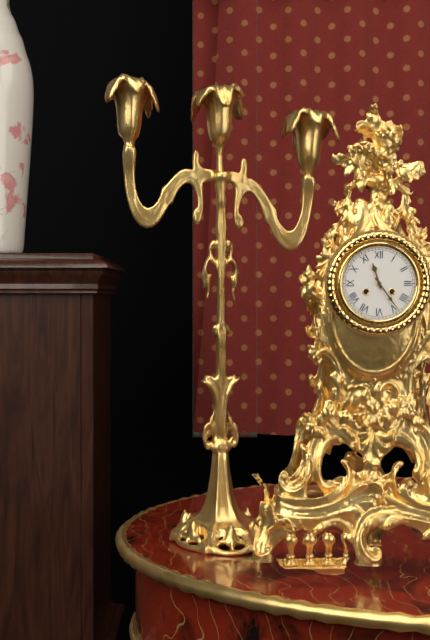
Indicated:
11.24
